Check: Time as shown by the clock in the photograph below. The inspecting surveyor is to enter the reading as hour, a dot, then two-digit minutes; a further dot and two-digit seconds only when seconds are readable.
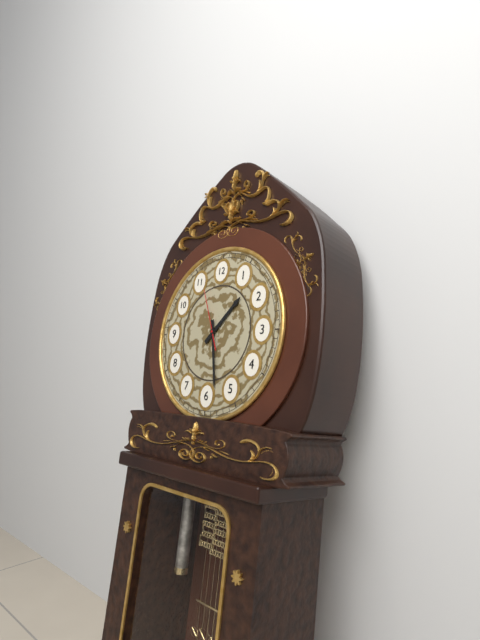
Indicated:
1.28.56
